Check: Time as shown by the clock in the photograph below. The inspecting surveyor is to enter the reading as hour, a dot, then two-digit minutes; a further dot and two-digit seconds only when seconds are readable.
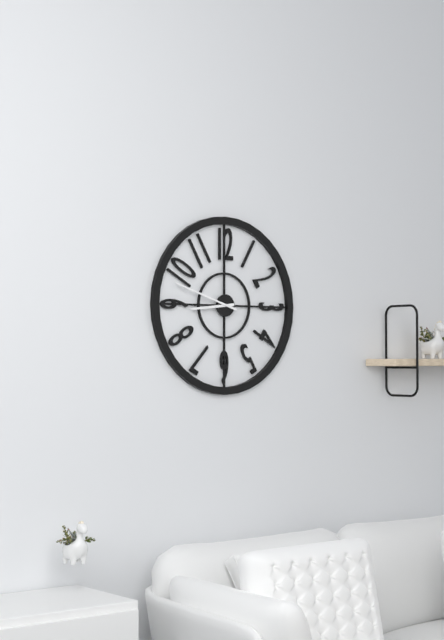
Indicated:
8.48
